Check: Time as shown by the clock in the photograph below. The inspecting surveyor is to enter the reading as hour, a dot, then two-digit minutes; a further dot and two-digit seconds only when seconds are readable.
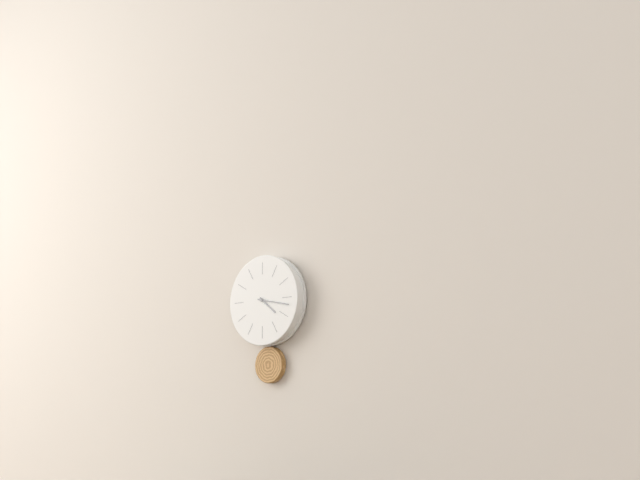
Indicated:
4.17
